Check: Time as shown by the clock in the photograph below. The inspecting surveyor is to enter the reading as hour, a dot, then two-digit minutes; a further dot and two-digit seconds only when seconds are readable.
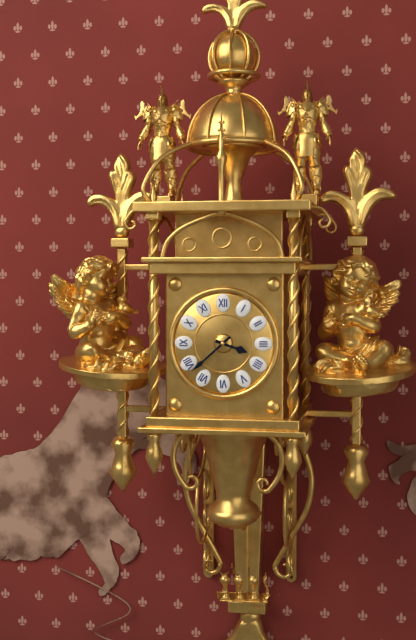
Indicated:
3.38
